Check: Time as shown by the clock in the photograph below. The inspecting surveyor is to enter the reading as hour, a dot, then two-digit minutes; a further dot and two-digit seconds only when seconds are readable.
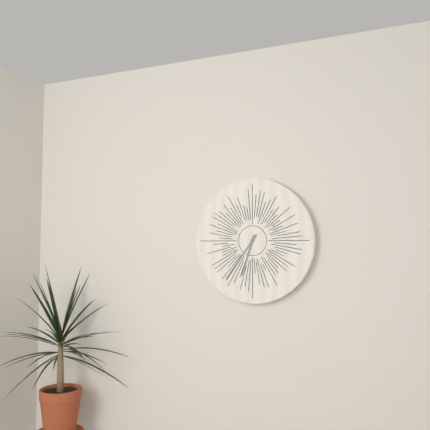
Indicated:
6.36
